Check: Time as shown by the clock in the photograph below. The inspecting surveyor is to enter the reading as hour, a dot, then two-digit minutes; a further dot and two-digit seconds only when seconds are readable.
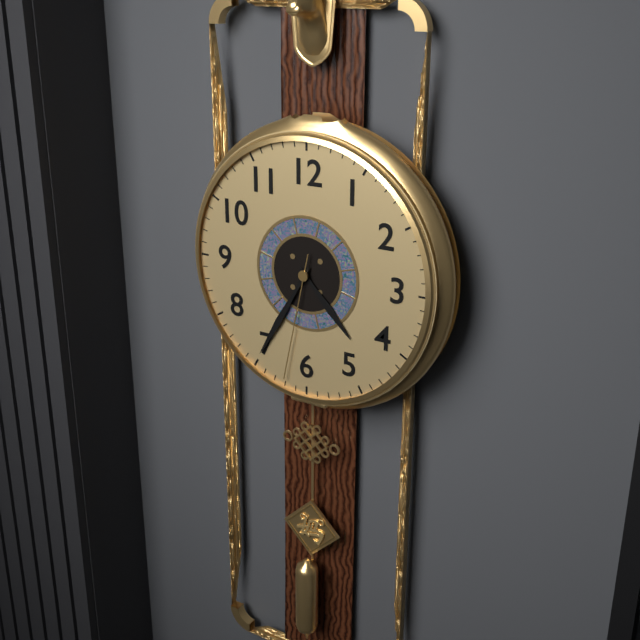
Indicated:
4.35.32
